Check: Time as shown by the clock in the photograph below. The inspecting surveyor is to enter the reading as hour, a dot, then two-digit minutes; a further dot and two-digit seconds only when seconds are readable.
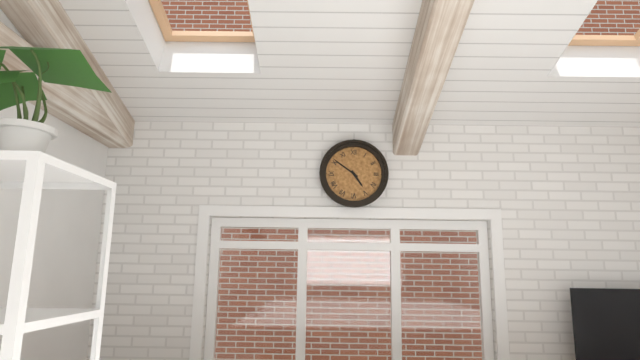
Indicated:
4.51
